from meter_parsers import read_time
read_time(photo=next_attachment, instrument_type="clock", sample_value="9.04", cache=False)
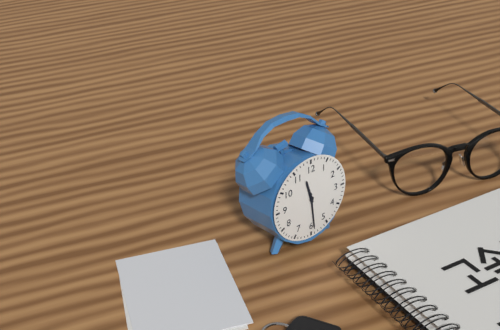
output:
11.29
